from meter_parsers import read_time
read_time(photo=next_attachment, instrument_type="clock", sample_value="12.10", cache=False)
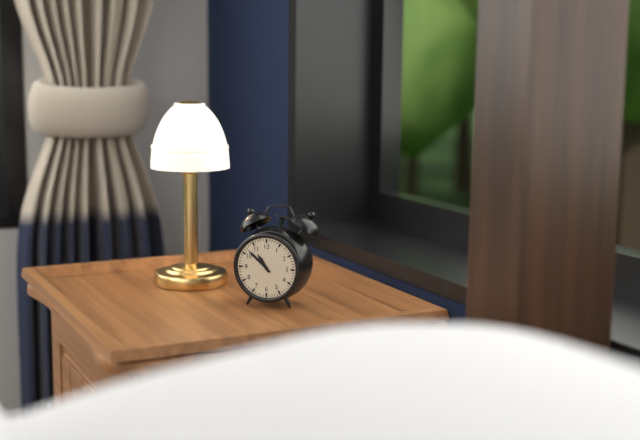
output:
10.52
